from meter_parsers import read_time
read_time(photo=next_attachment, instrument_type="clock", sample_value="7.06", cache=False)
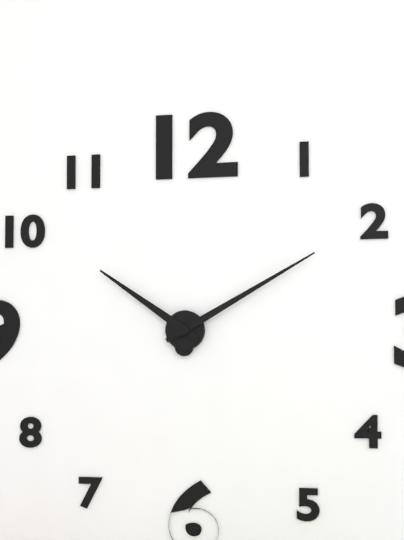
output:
10.10
